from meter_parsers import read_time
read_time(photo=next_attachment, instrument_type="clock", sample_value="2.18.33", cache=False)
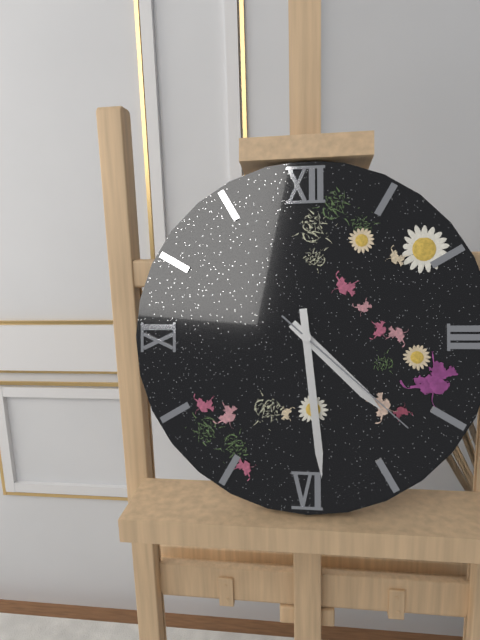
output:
4.29.22
